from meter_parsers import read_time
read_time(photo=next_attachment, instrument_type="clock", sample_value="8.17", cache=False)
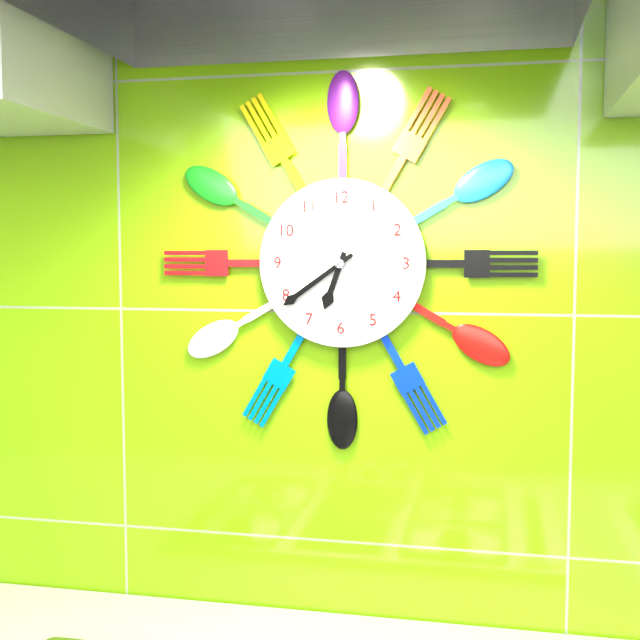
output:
6.39
